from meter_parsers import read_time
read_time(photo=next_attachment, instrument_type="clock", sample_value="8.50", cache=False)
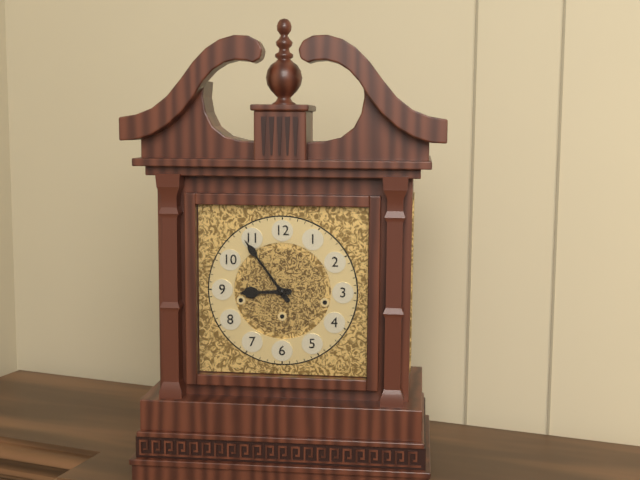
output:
8.54
